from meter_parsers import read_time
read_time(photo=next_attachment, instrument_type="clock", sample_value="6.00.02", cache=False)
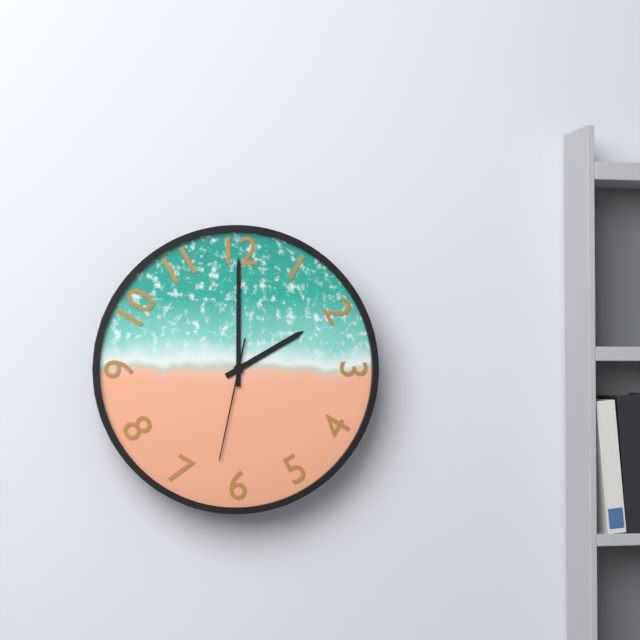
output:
2.00.32
